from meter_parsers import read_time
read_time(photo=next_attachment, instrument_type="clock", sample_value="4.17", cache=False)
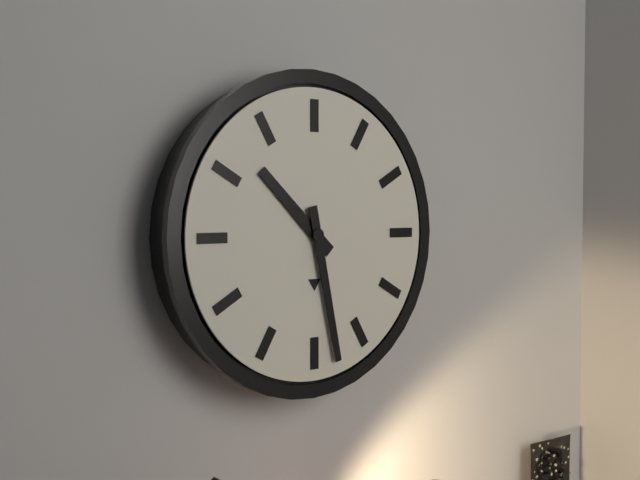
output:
10.28
